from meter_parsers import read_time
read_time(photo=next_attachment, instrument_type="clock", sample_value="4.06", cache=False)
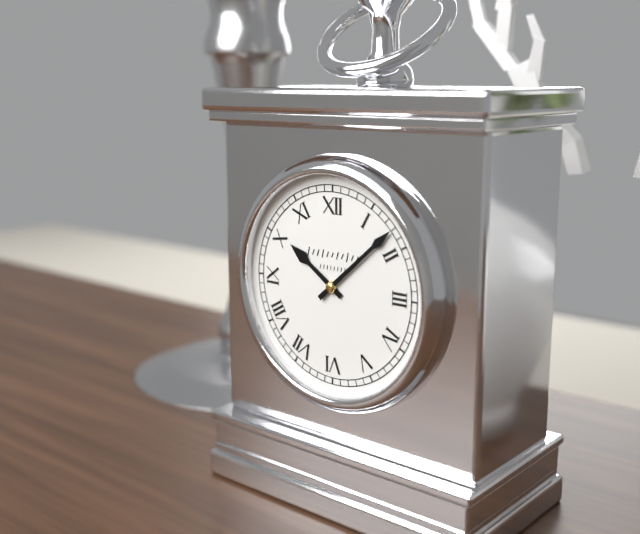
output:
10.08
